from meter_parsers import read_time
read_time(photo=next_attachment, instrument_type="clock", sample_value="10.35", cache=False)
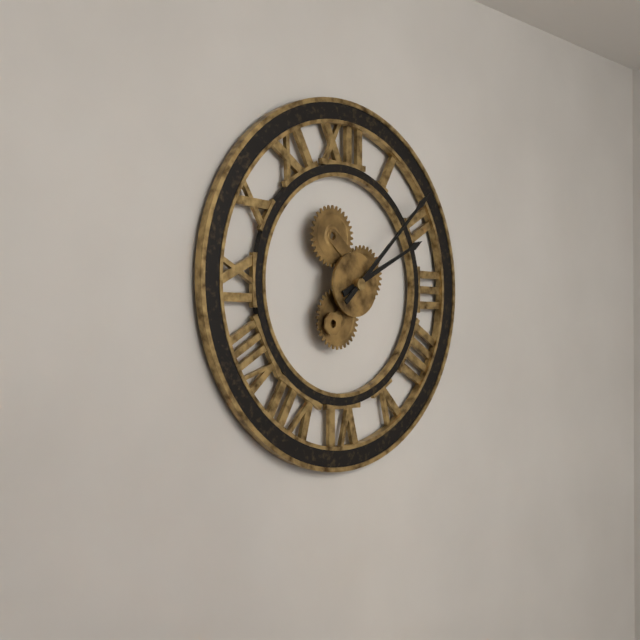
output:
2.08
